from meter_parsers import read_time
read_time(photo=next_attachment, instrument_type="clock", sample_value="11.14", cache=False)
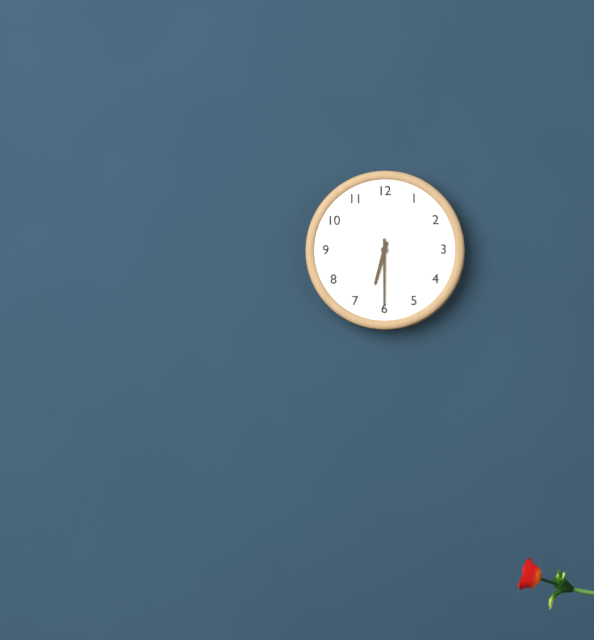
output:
6.30
